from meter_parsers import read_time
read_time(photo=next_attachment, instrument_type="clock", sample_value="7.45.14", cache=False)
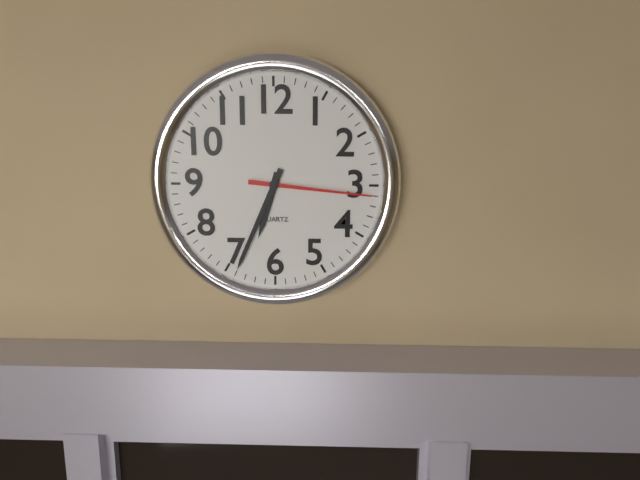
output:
6.34.16
